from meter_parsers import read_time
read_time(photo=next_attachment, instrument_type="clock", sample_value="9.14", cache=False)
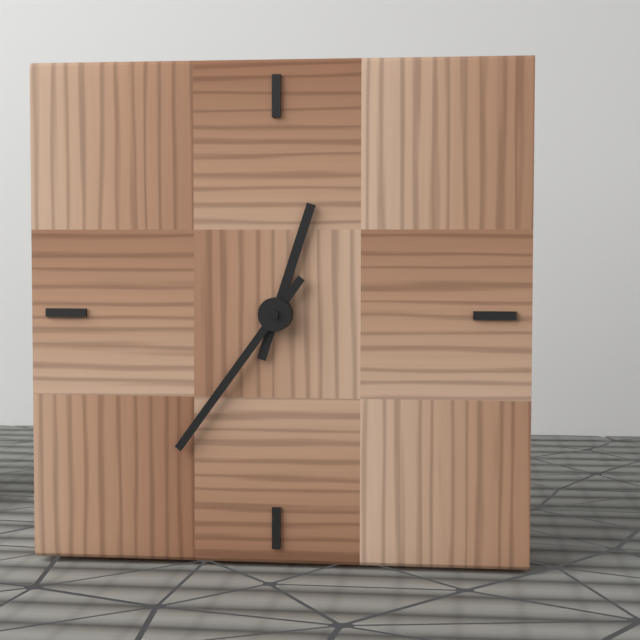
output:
12.36
